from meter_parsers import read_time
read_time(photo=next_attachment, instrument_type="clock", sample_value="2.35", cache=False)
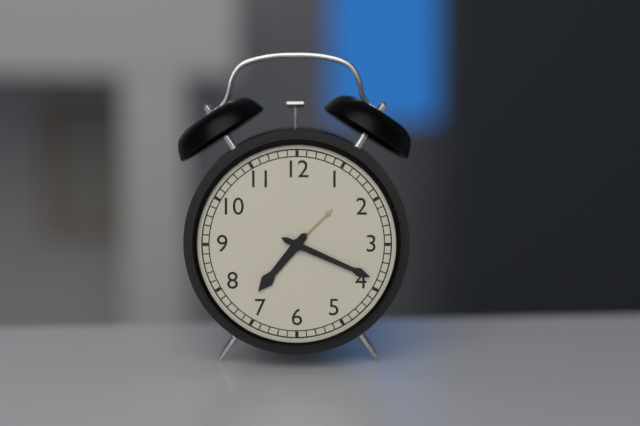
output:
7.19
